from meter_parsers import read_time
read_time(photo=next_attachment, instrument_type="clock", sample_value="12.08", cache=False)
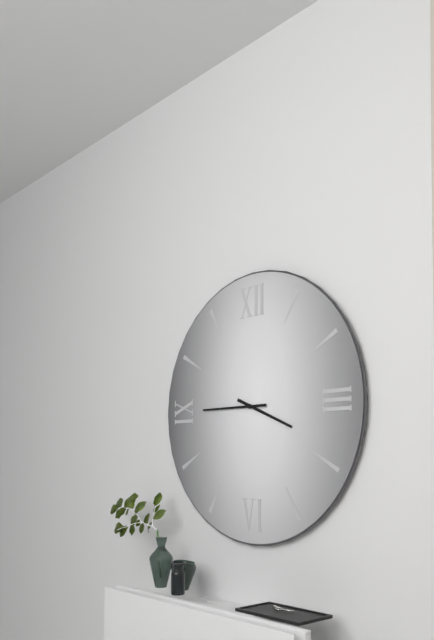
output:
3.45
